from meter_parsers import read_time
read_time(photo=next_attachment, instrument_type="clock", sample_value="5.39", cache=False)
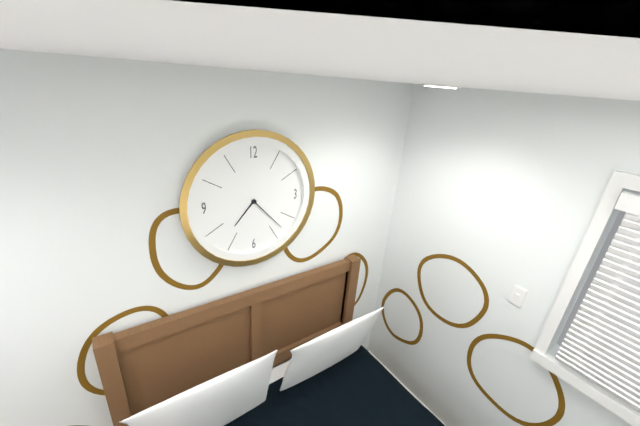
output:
7.23
